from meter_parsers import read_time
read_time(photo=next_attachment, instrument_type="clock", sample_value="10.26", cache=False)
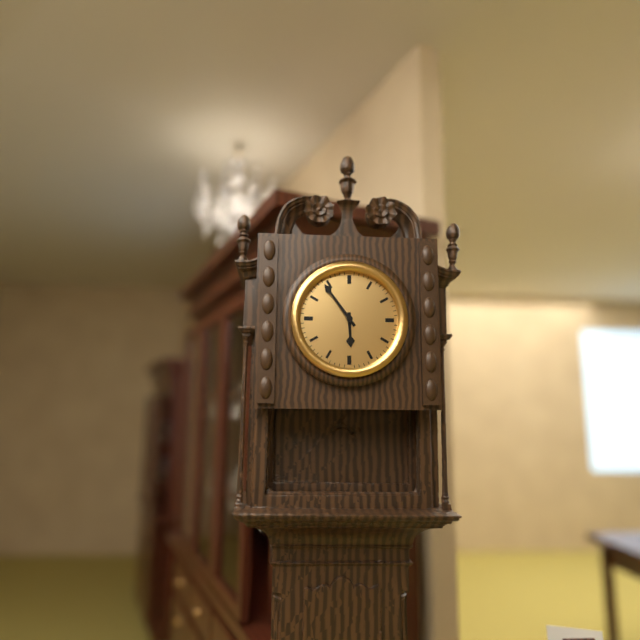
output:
5.54
